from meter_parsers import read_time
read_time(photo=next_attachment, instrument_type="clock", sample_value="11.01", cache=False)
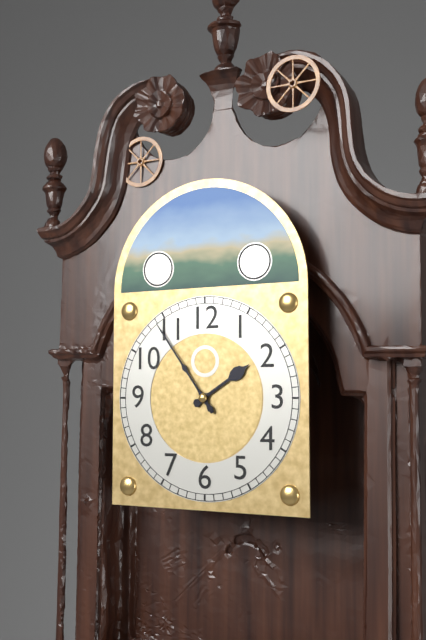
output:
1.54
